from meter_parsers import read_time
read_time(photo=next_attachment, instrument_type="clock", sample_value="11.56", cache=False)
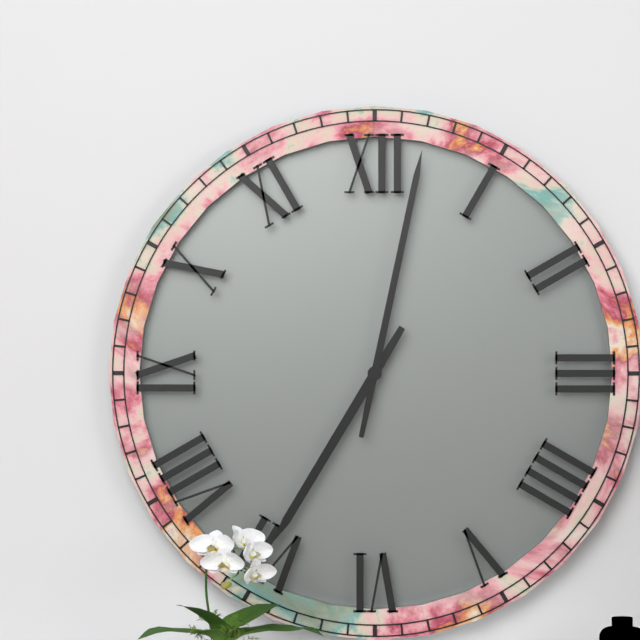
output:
7.02
